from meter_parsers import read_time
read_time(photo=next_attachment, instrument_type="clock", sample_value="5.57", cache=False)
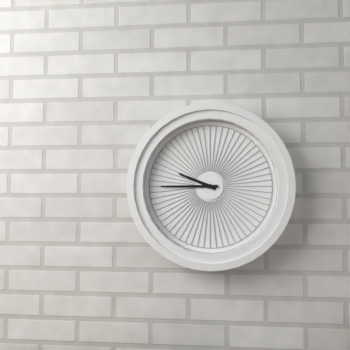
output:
9.45
